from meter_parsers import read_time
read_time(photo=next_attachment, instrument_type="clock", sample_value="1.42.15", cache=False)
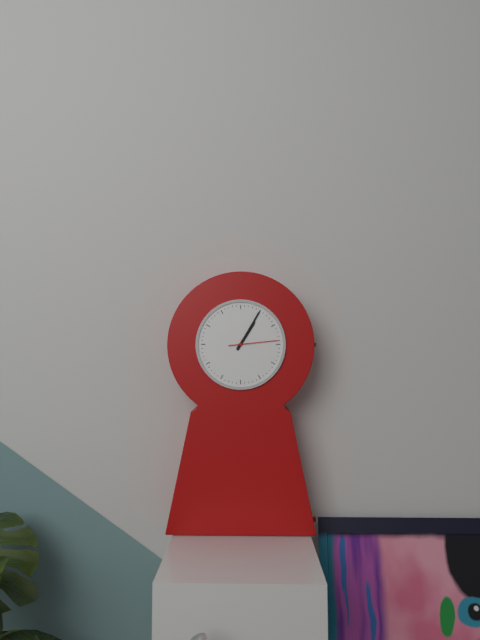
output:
1.05.14
